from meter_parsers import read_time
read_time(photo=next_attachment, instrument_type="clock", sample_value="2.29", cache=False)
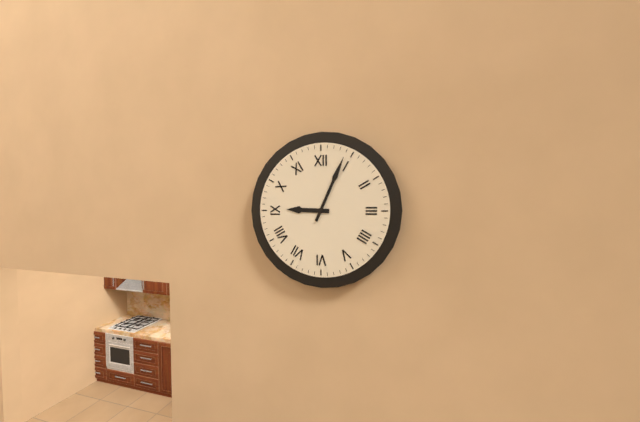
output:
9.04
